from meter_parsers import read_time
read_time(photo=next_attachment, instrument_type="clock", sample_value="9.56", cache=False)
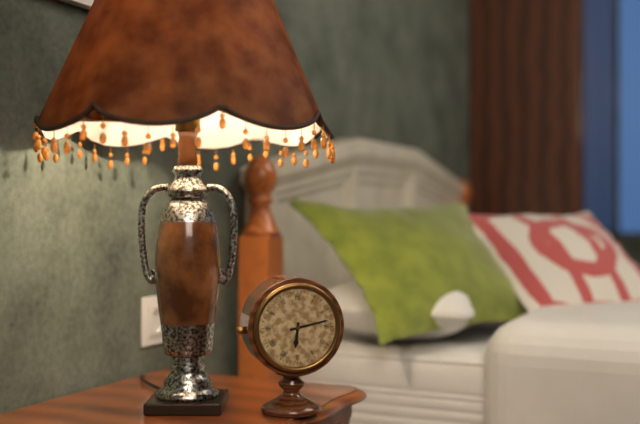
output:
6.13
